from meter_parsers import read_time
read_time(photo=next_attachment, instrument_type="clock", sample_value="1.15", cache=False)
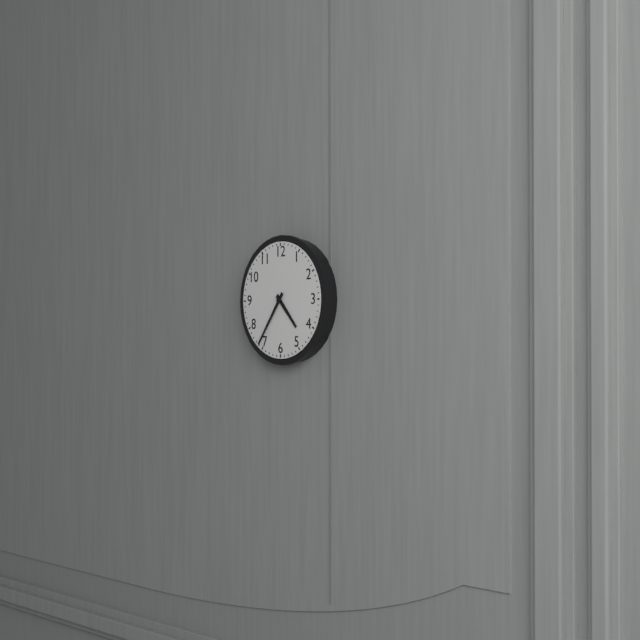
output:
4.36
